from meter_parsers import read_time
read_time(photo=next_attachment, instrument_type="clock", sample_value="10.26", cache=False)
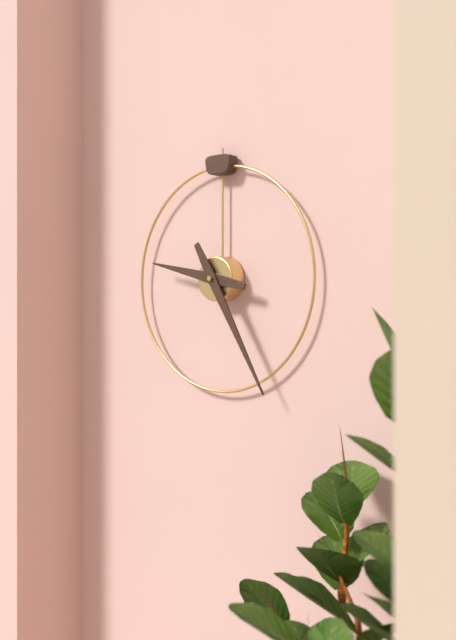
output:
9.25
